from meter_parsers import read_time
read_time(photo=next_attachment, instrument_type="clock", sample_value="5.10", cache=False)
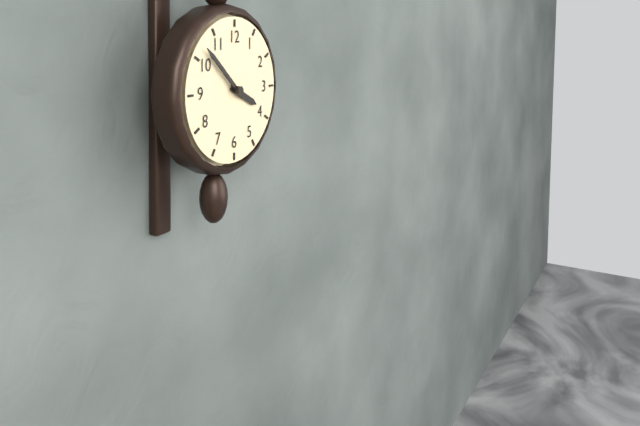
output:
3.52
